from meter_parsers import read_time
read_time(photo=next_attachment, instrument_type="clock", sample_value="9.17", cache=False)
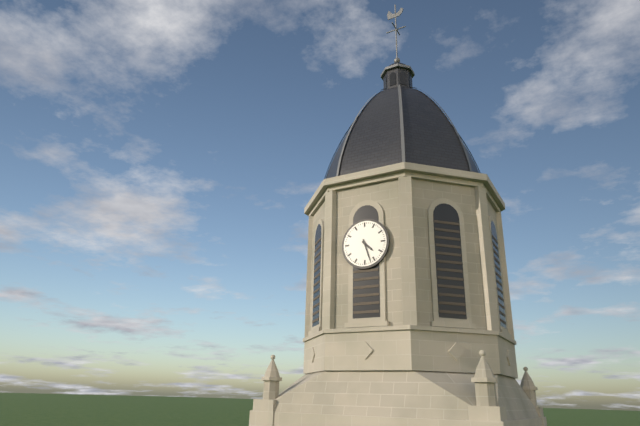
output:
4.27
